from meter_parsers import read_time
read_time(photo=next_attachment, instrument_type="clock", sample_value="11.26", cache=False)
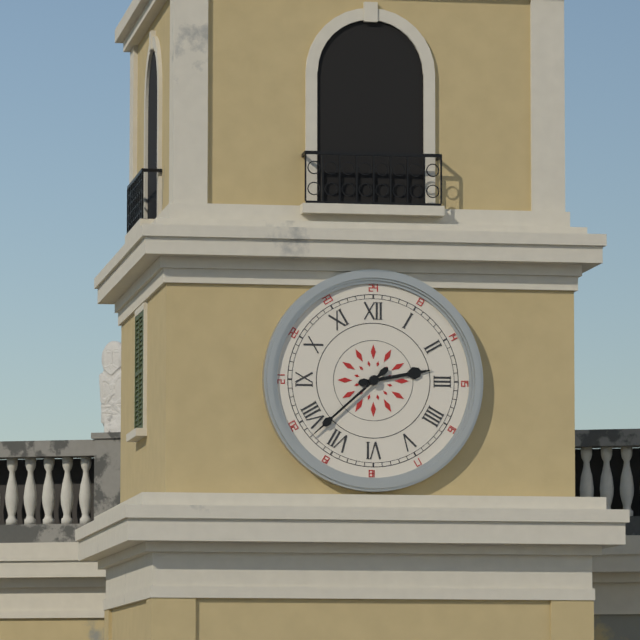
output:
2.38
